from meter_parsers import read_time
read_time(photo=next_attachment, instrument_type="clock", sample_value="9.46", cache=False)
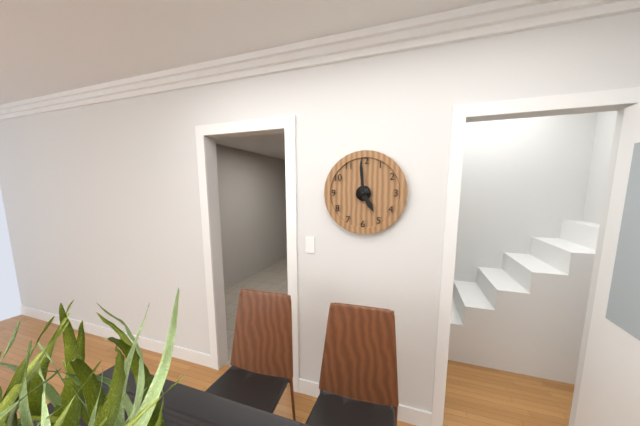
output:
4.59
